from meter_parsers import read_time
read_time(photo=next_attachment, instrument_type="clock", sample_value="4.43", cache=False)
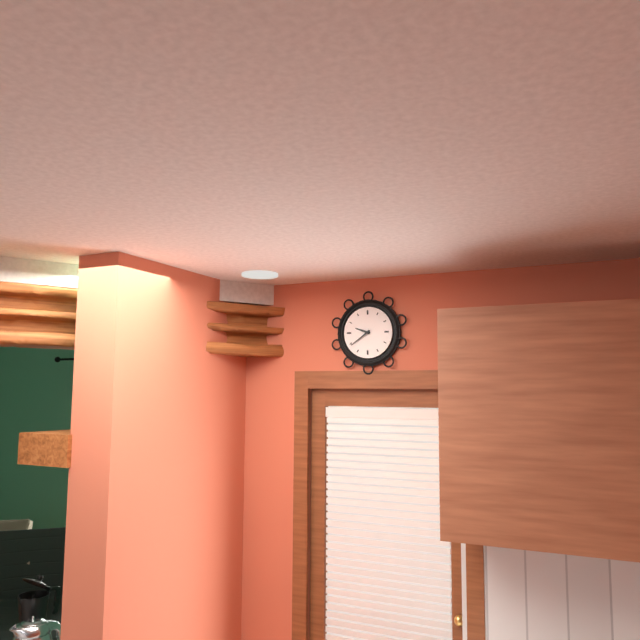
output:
9.39
